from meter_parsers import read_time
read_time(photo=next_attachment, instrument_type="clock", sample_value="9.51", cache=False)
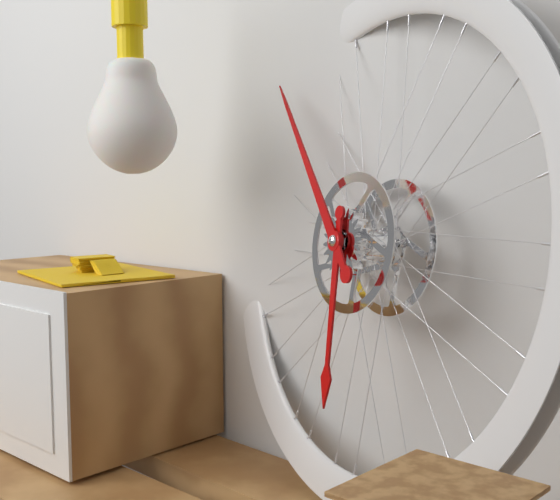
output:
5.53
